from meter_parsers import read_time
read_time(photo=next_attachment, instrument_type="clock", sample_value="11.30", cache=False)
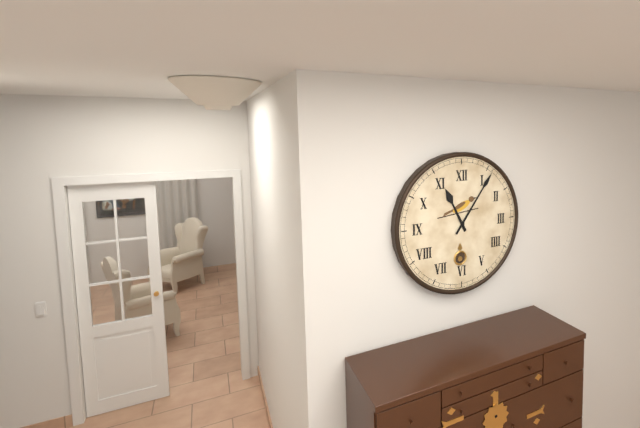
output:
11.06
